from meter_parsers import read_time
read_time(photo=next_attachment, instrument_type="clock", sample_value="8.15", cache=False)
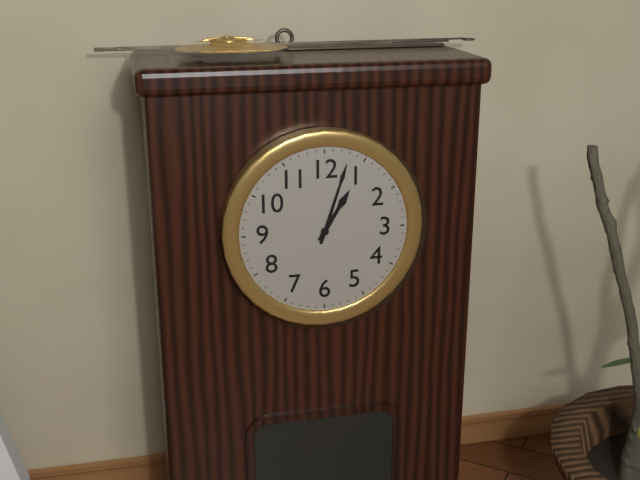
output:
1.03
